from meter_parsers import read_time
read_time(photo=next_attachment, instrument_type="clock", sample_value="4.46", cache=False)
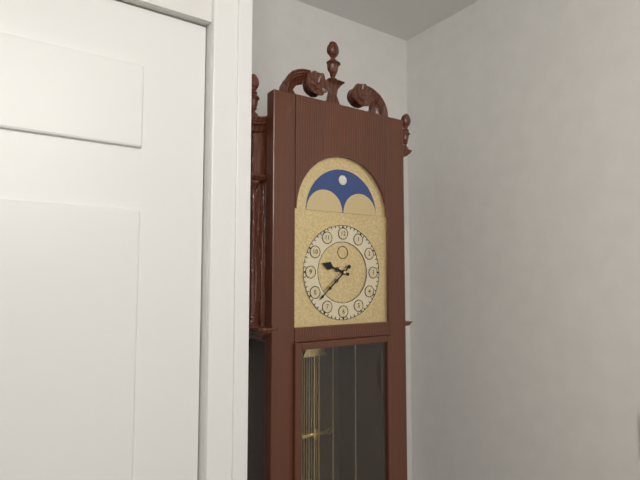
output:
9.38
